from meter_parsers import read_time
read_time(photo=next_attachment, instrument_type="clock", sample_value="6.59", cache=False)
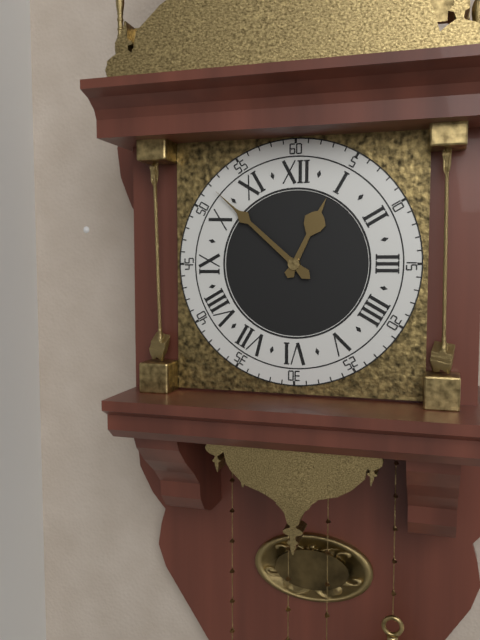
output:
12.52
